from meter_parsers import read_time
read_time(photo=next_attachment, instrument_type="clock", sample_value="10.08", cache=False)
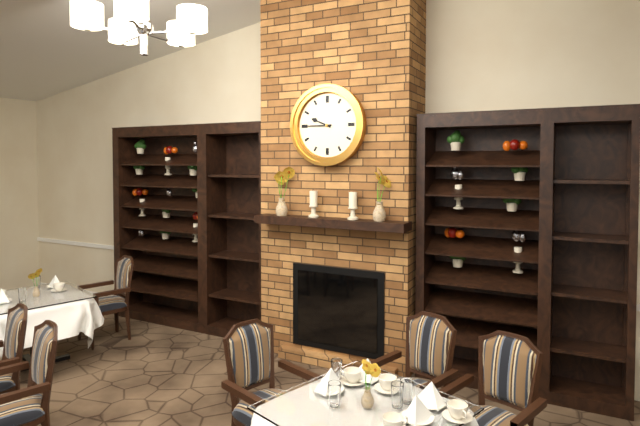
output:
9.45
